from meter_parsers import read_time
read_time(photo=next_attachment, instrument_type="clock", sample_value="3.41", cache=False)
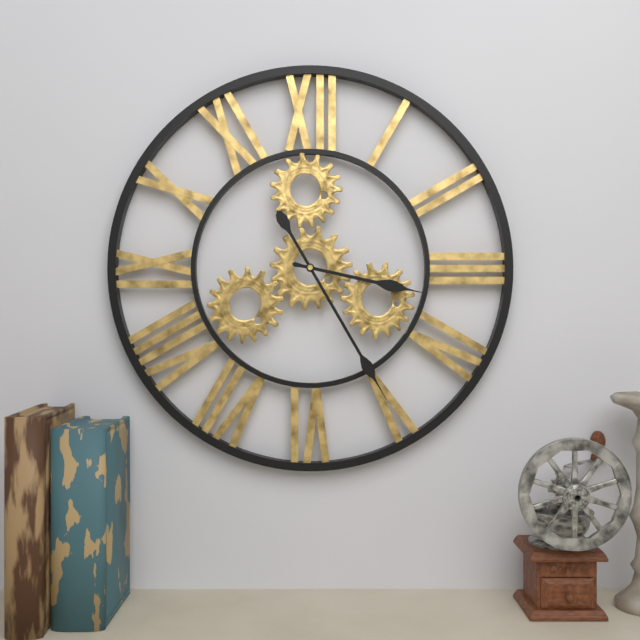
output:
3.25
